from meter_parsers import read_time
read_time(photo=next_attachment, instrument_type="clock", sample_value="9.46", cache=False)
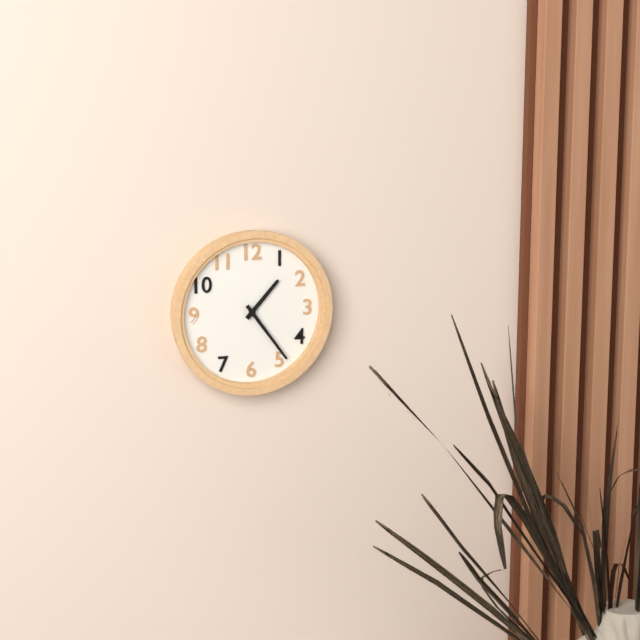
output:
1.24
